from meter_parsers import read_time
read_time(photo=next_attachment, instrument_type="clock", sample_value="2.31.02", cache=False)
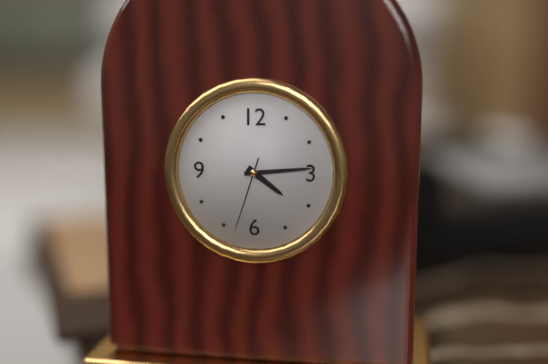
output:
4.14.33
